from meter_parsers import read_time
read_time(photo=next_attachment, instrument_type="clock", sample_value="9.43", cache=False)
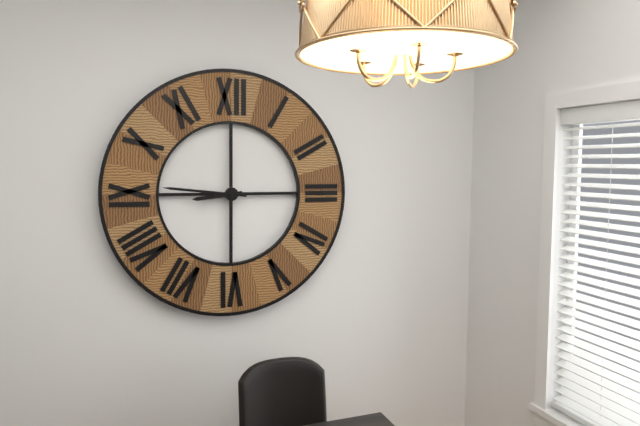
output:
8.46
